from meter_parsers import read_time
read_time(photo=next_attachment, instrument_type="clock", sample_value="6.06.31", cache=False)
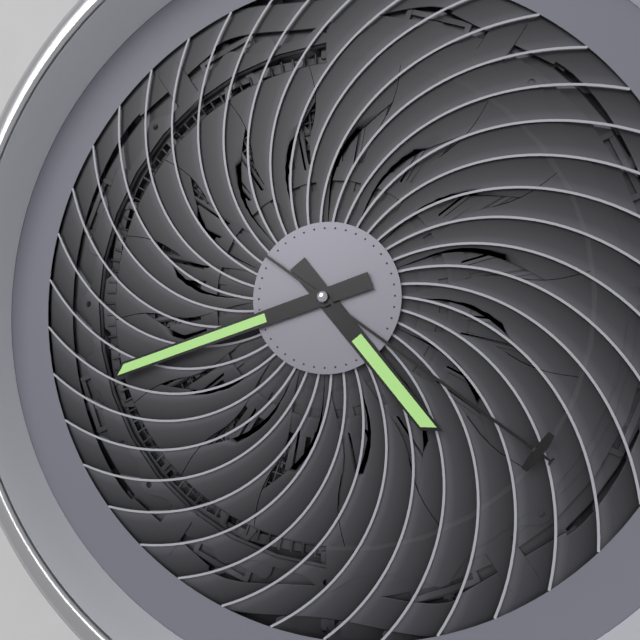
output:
4.42.21
